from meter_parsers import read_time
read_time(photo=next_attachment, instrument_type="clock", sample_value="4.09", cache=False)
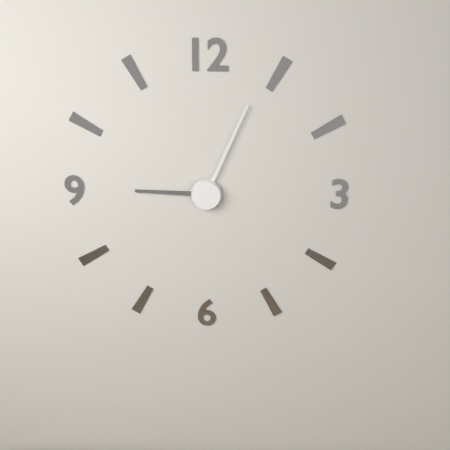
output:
9.04
